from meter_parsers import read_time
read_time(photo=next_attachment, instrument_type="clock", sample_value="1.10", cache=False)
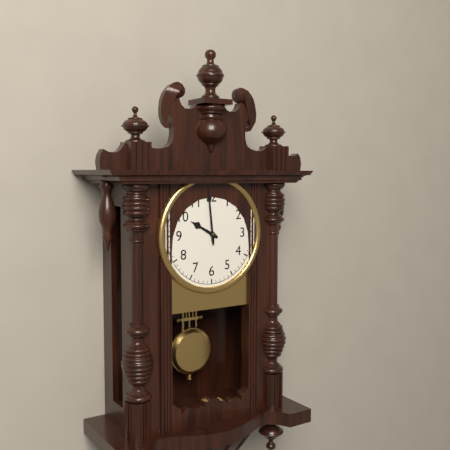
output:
9.59
